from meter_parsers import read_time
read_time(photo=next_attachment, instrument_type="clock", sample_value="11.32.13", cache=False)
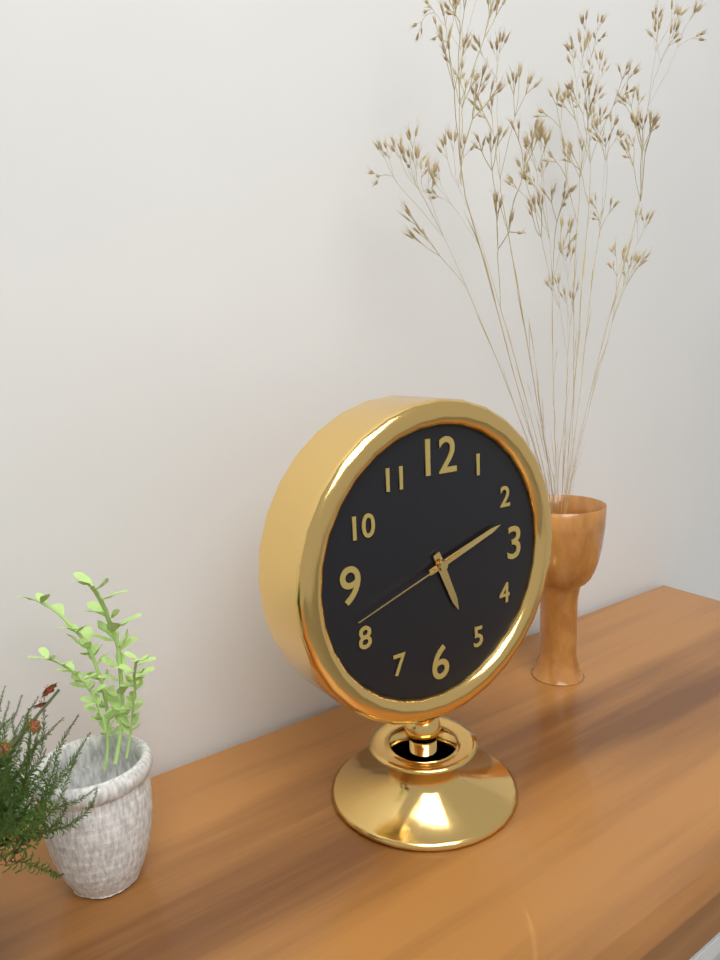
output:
5.12.42
